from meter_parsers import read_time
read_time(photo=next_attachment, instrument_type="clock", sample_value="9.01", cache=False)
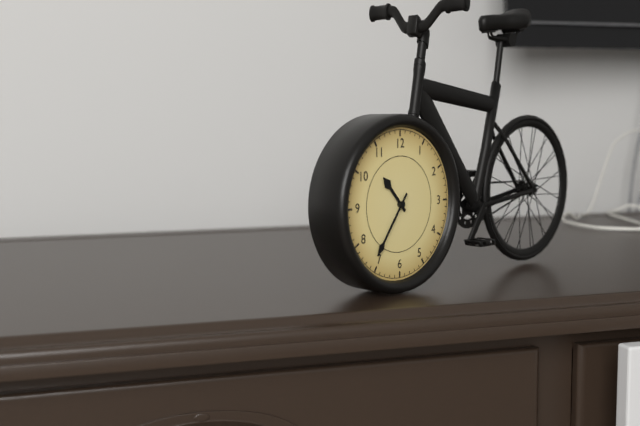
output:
10.36
